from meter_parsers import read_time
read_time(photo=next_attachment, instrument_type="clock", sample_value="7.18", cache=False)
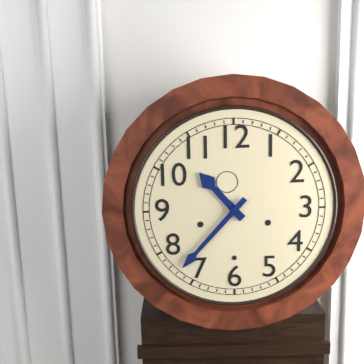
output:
10.37
